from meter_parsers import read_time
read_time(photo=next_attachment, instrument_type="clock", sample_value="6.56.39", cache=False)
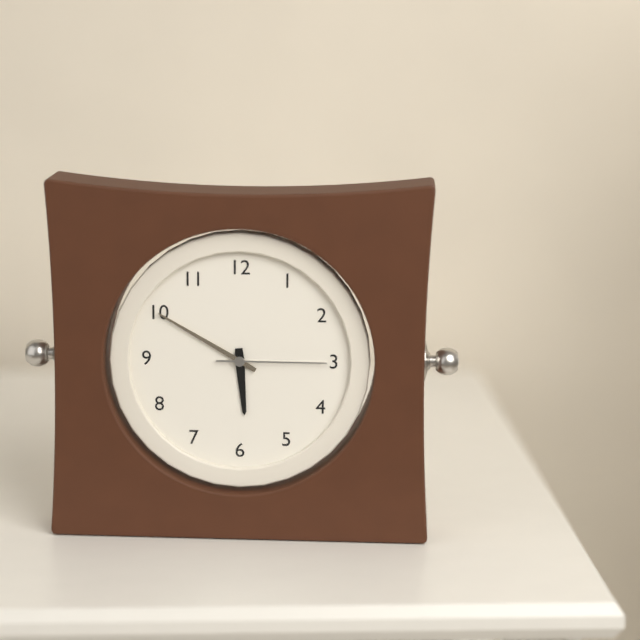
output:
5.50.15
